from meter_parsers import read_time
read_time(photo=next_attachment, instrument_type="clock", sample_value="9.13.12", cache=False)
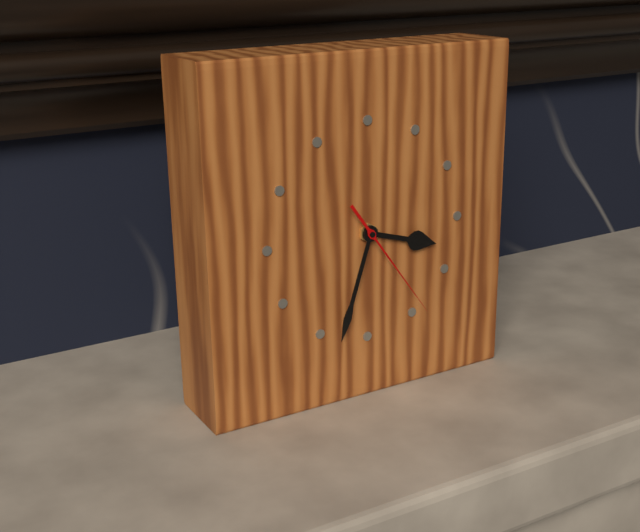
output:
3.33.24
